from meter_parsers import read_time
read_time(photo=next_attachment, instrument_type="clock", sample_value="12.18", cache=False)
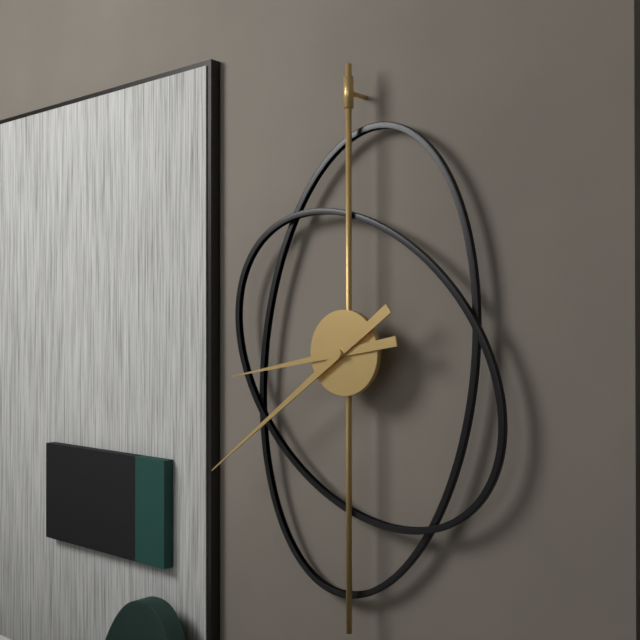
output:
8.39
